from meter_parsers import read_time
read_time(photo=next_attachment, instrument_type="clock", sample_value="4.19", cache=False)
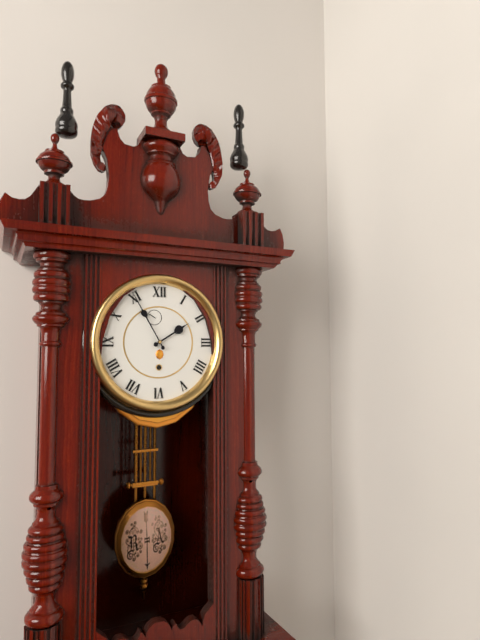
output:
1.55
